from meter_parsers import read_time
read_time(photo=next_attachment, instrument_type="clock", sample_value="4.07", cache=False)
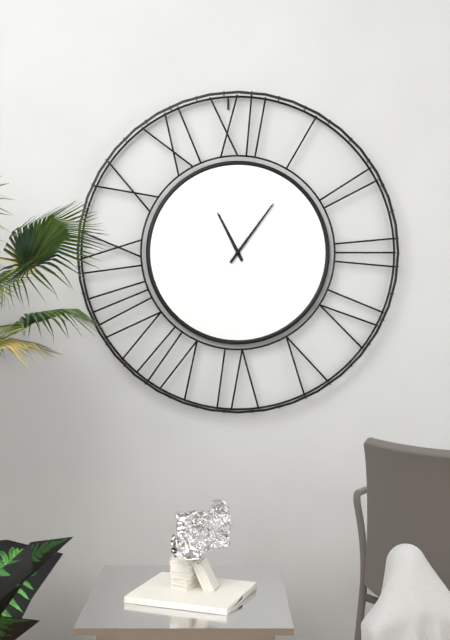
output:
11.06
